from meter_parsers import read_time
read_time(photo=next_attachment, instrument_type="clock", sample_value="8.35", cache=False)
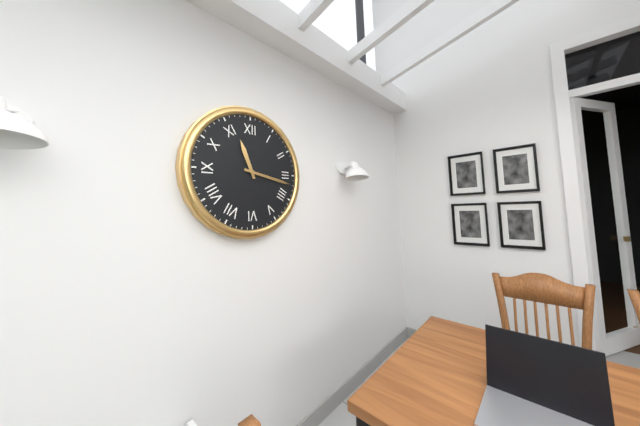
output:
11.17
